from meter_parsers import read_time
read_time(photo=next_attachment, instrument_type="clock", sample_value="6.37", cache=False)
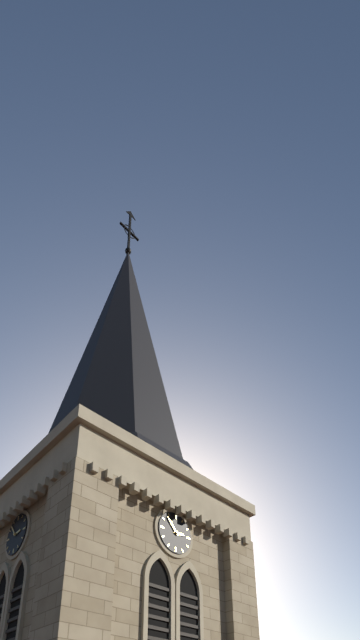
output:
2.53
